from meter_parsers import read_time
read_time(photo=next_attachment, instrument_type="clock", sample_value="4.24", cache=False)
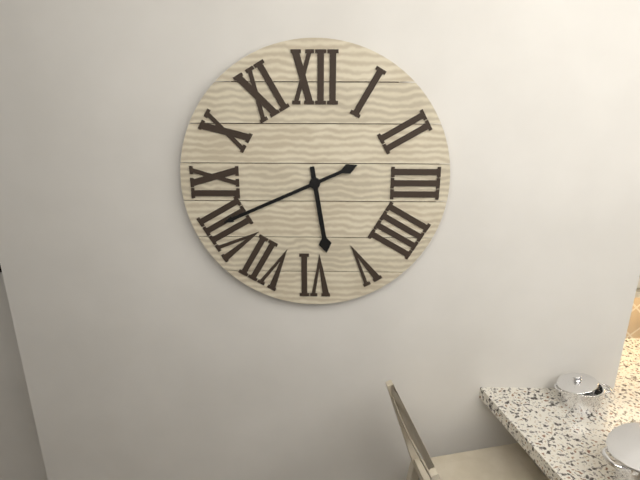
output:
5.41
